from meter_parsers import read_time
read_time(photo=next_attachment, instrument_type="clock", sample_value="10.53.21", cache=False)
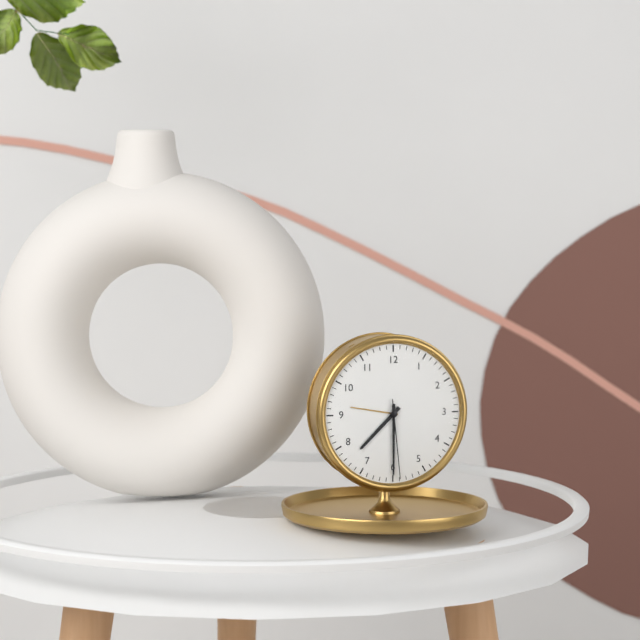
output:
7.30.29
